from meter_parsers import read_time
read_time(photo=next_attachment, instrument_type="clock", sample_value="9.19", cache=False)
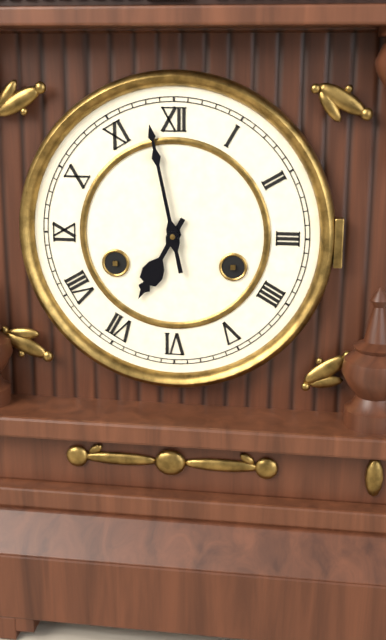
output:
6.58
